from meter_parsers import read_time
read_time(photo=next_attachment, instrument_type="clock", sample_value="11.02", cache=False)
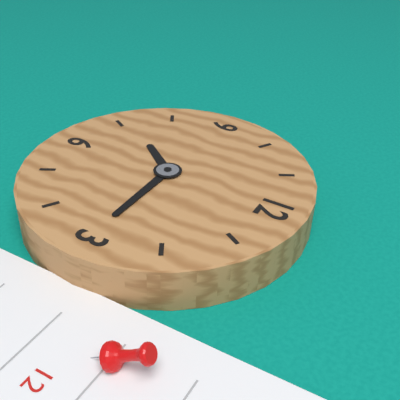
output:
7.15
